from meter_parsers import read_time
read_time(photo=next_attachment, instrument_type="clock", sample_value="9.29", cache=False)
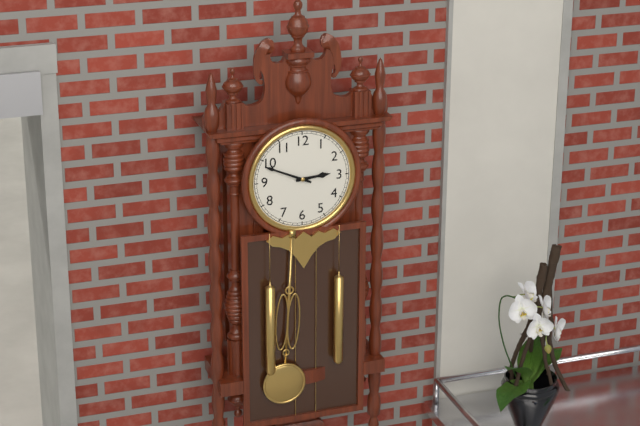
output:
2.49
